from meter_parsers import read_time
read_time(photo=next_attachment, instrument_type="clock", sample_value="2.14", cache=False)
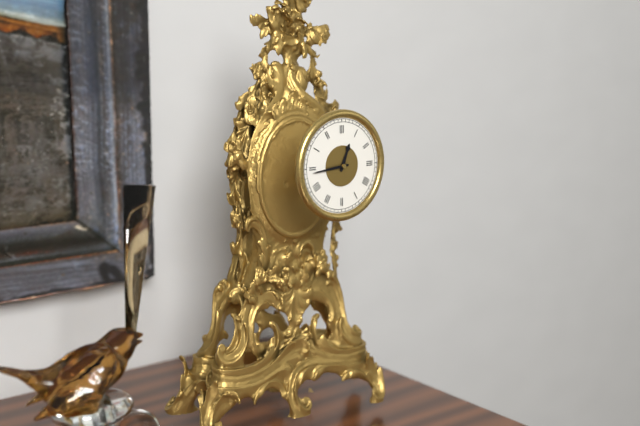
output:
12.44
